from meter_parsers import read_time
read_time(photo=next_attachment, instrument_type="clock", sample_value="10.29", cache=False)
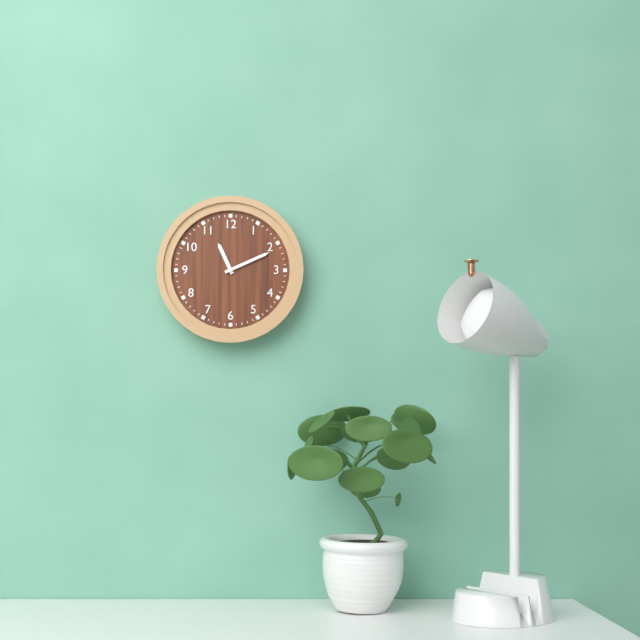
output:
11.11
